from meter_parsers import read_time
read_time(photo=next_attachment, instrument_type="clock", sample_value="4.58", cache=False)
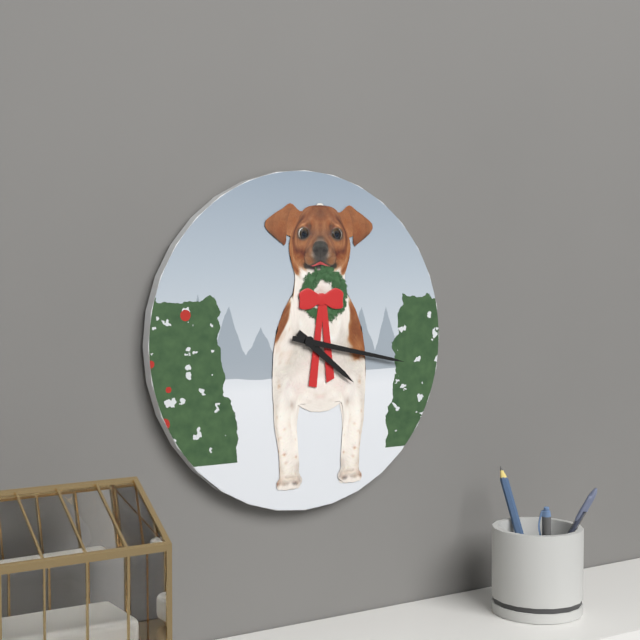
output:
4.17
